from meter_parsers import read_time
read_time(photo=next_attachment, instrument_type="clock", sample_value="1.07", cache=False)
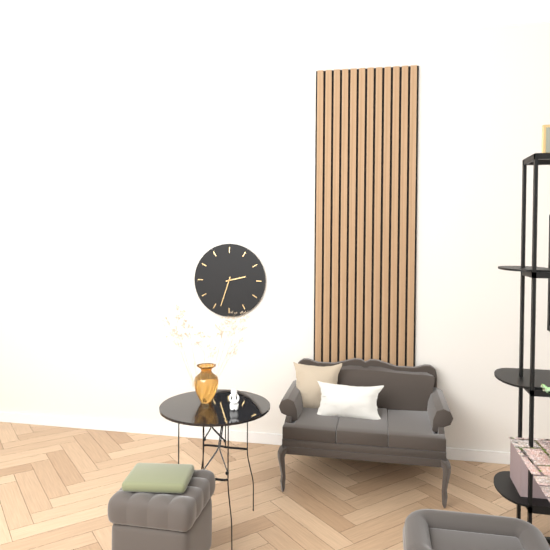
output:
2.33
